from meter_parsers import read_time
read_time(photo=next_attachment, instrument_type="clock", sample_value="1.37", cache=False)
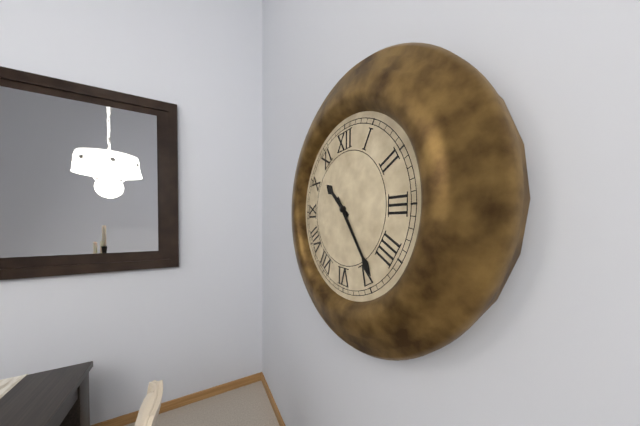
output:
10.24
